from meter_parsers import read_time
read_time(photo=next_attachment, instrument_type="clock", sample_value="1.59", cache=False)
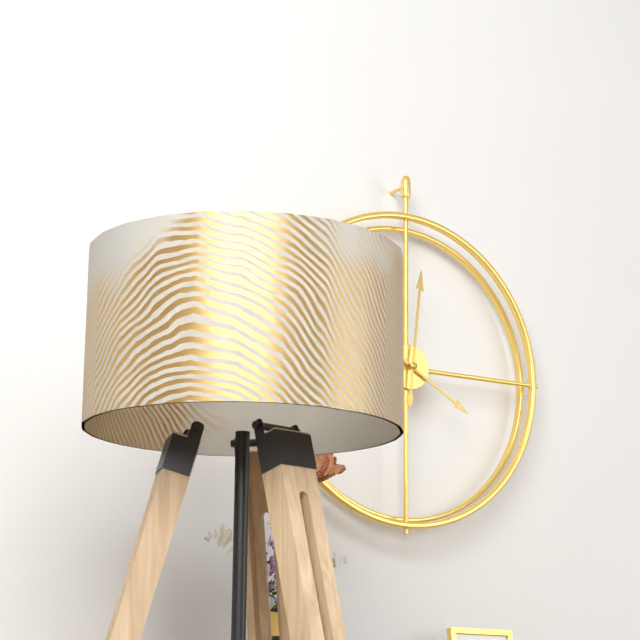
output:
4.01
